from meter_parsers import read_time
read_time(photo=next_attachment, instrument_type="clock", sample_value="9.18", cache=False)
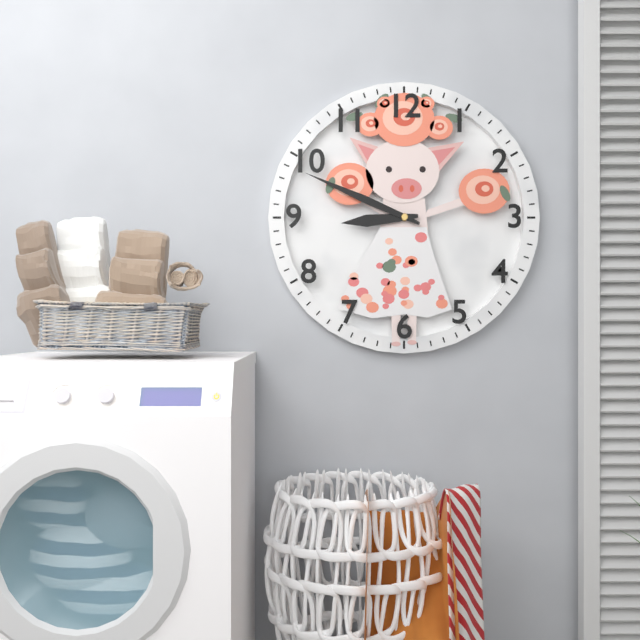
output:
8.49
